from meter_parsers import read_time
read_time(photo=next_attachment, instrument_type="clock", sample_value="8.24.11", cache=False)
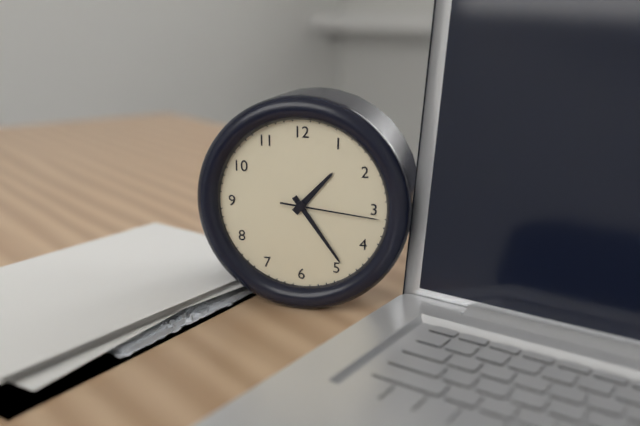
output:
1.24.16
